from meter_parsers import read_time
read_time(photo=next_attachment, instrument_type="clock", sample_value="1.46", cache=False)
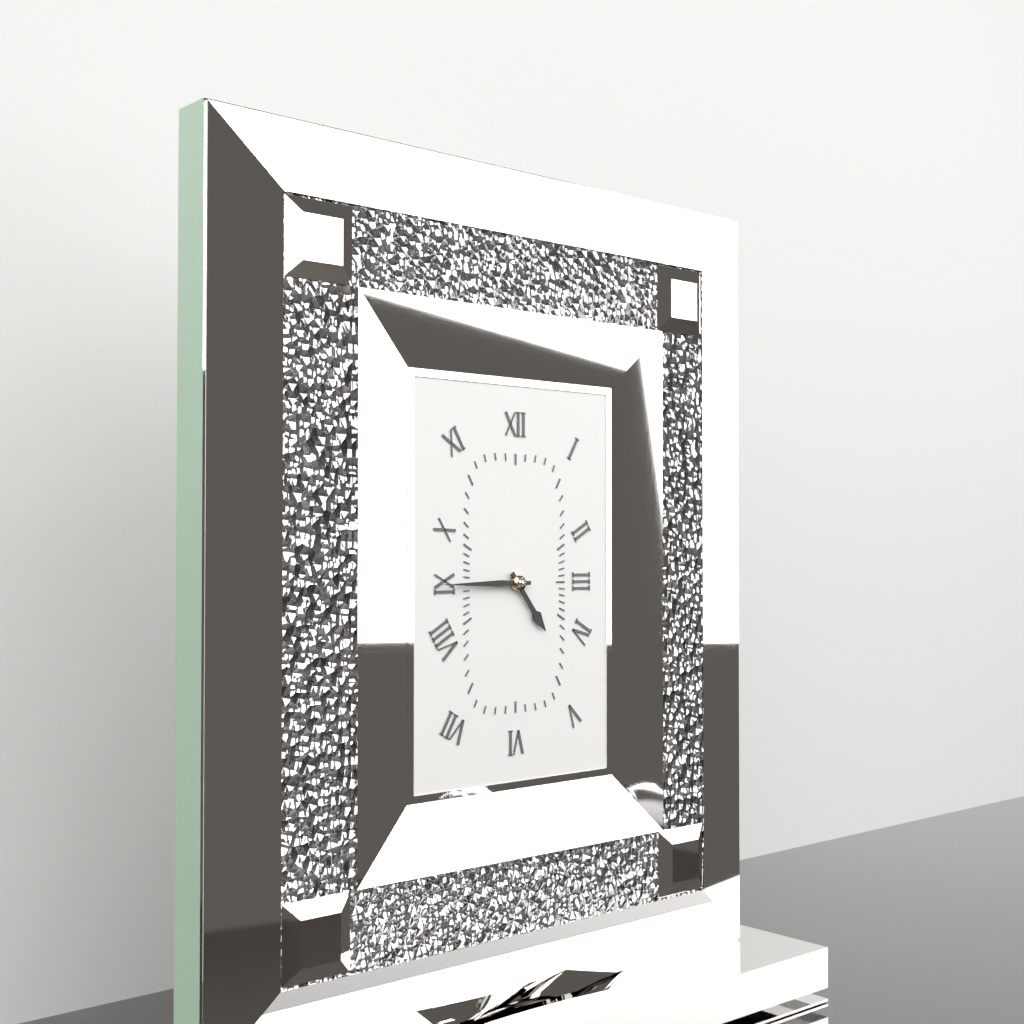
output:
4.45
